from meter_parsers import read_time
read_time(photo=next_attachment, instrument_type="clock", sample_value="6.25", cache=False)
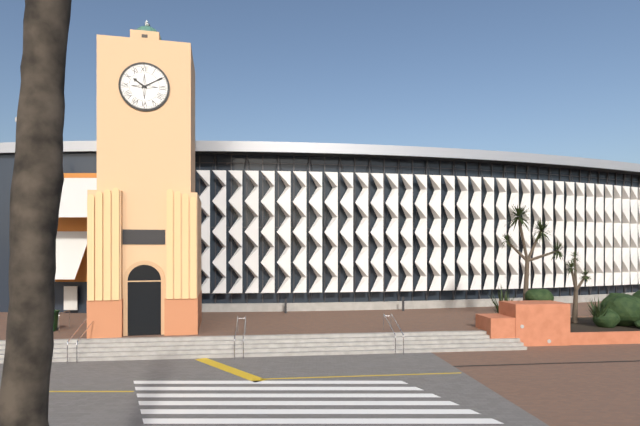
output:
10.10
